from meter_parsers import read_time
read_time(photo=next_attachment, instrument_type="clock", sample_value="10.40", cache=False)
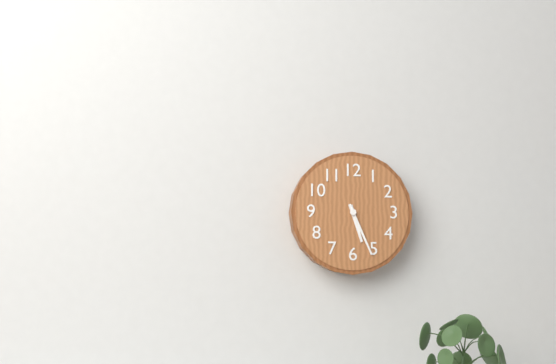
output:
5.26
